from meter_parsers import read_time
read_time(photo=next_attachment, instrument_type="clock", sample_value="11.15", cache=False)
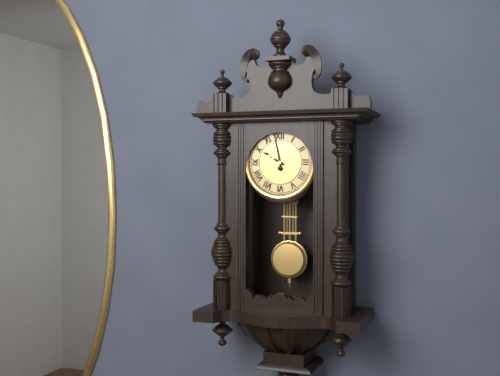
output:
9.58
